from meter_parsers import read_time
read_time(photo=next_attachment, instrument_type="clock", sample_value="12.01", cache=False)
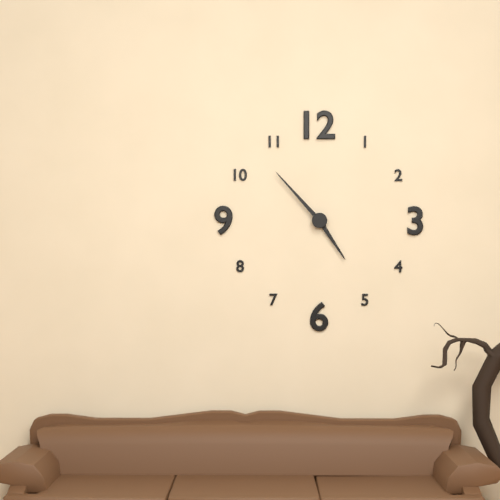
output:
4.53
